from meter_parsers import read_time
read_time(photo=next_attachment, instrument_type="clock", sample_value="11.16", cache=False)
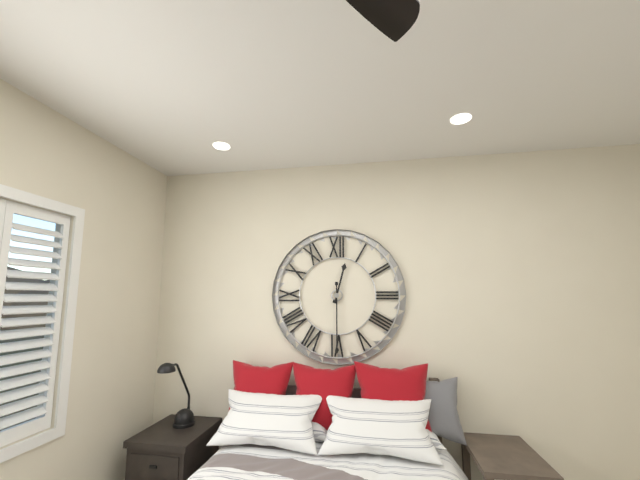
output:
12.30
